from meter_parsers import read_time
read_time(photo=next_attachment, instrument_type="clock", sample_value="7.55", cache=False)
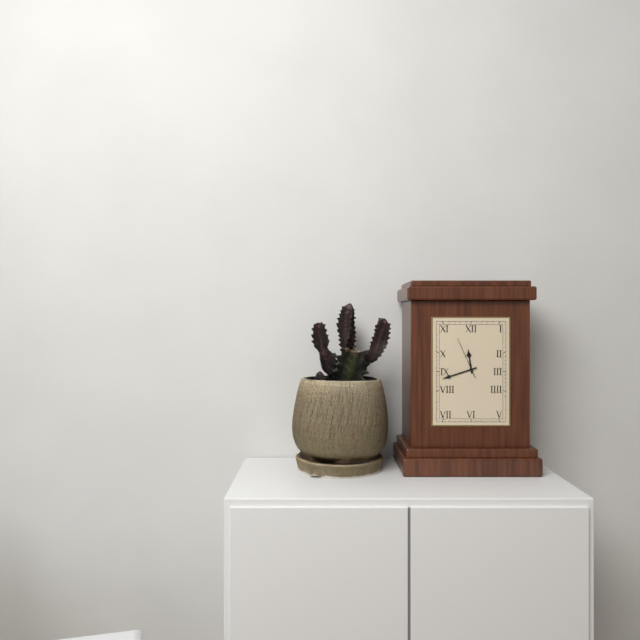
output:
11.42
